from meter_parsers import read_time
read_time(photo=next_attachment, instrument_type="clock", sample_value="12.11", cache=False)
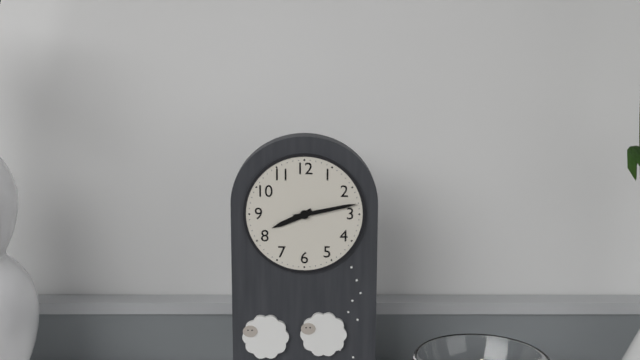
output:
8.13
